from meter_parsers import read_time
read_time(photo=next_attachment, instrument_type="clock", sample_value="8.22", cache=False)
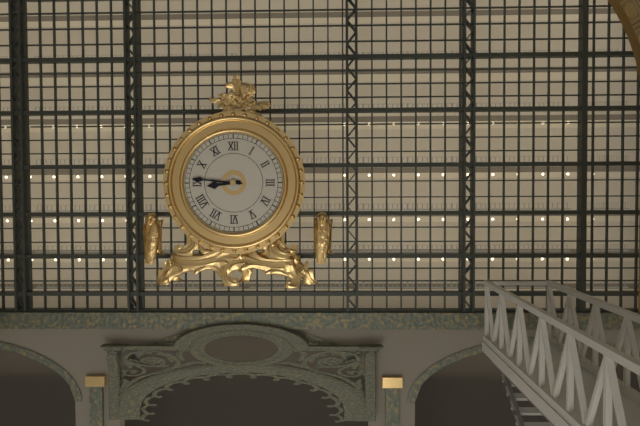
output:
8.46
